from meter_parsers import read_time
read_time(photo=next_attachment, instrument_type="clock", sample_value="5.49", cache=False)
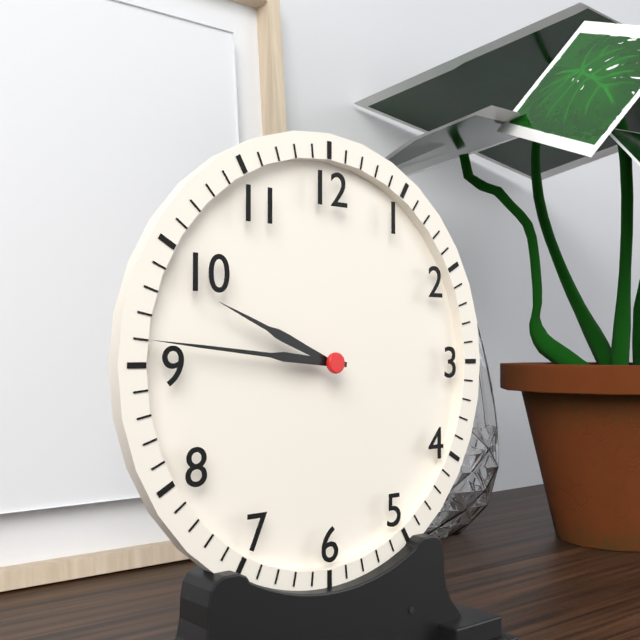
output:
9.46
